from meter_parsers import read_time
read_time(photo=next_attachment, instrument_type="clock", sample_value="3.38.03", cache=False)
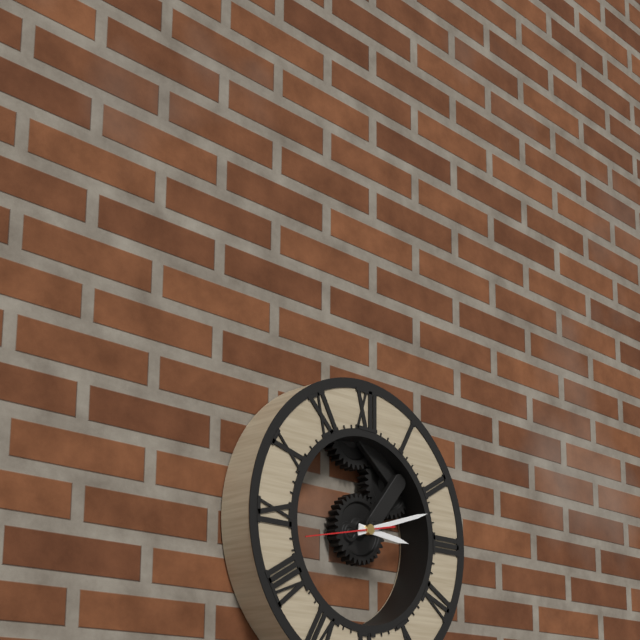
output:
3.12.43
